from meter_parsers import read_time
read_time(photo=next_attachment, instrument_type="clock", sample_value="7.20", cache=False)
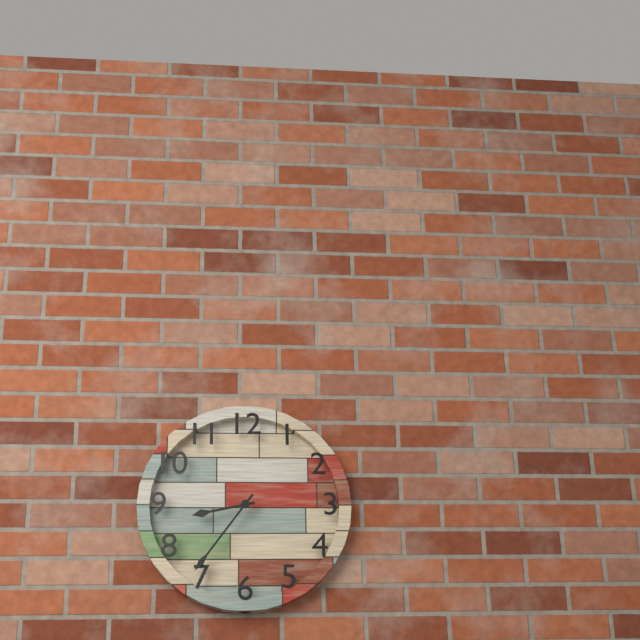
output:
8.36
